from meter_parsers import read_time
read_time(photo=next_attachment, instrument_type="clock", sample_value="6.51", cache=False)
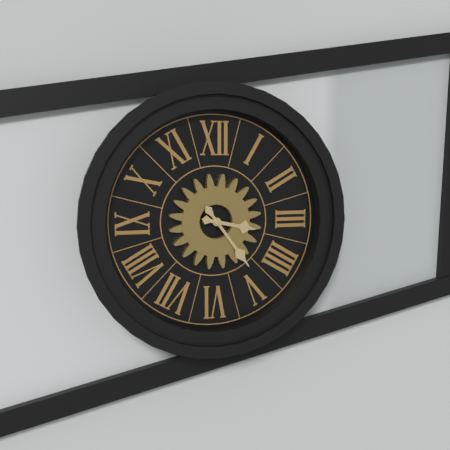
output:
3.24
